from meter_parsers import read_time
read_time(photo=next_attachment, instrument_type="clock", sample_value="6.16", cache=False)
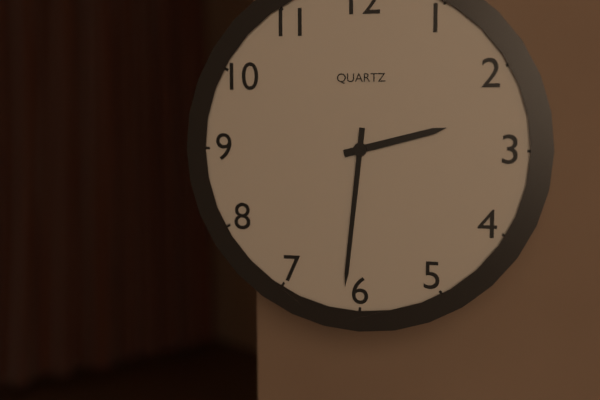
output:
2.31
